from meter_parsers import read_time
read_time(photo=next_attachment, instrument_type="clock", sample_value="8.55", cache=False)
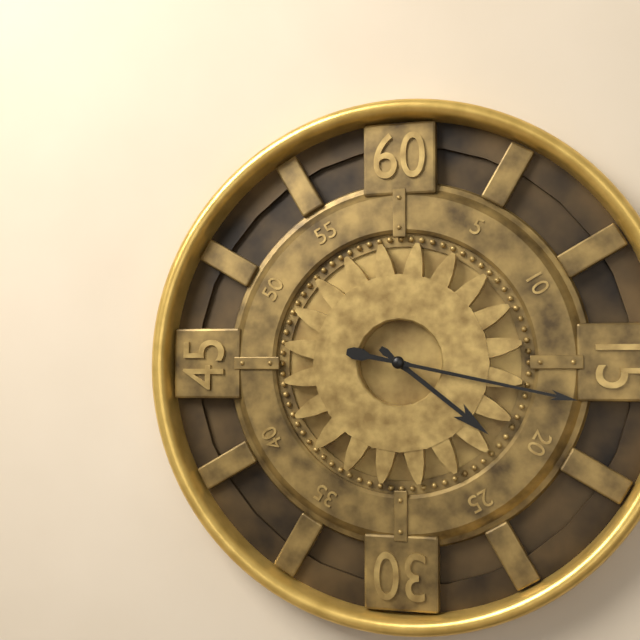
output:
4.17
